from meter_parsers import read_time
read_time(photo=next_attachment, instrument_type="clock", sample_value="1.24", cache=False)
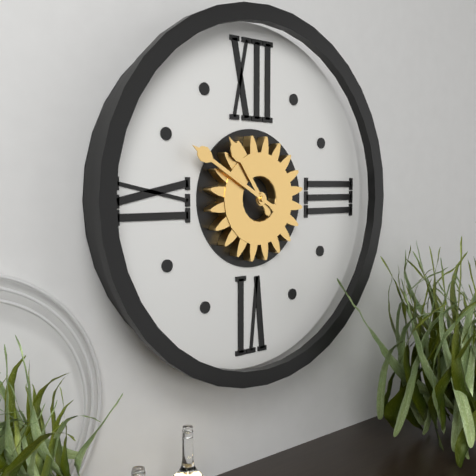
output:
10.50
